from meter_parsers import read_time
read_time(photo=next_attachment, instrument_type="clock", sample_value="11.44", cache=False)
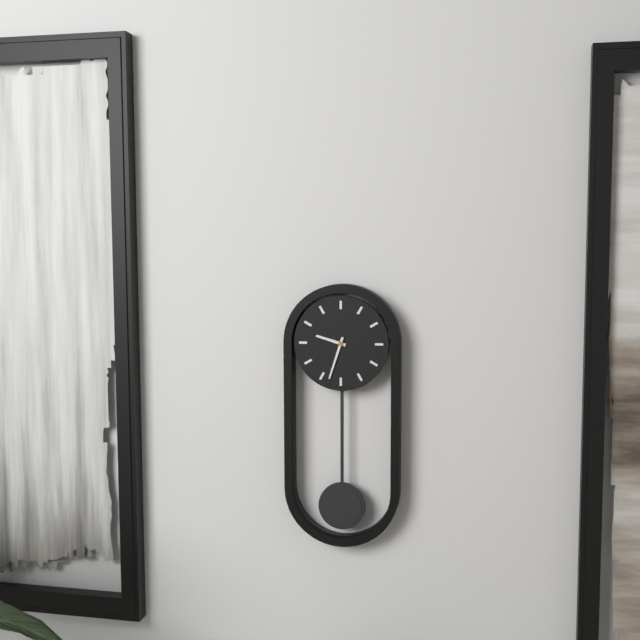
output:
9.33
